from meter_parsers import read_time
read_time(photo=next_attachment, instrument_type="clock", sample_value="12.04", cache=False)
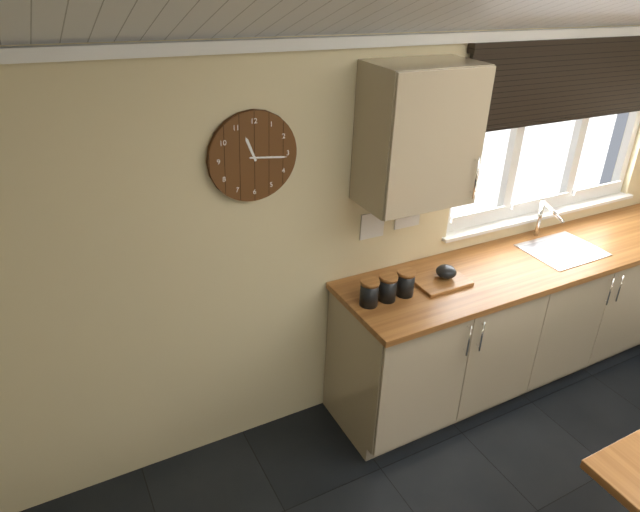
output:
11.16
